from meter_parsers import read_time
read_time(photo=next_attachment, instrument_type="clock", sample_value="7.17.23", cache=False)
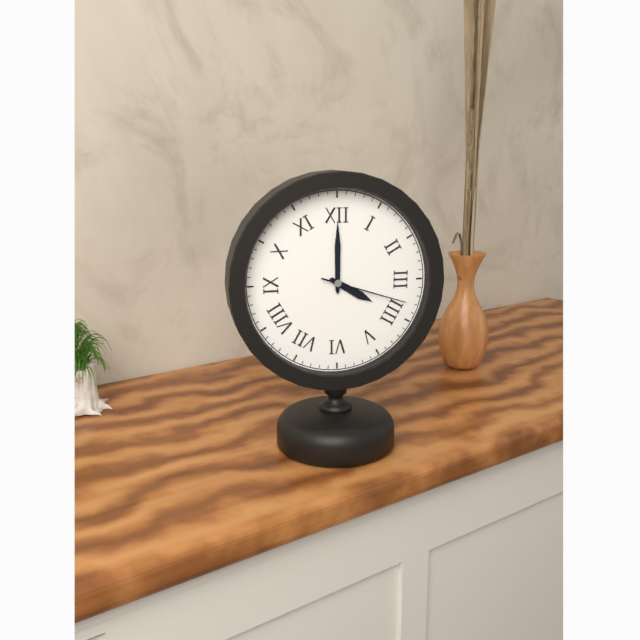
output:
4.00.18
